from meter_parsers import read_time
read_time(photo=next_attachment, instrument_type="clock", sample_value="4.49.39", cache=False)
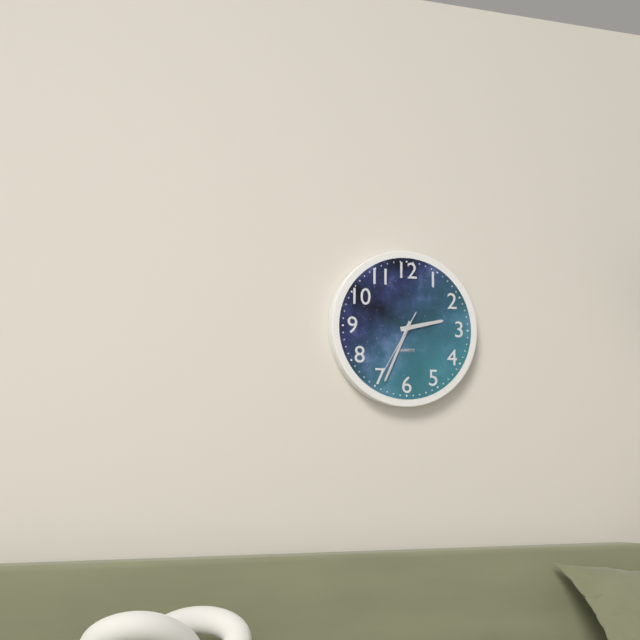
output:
2.34.35
